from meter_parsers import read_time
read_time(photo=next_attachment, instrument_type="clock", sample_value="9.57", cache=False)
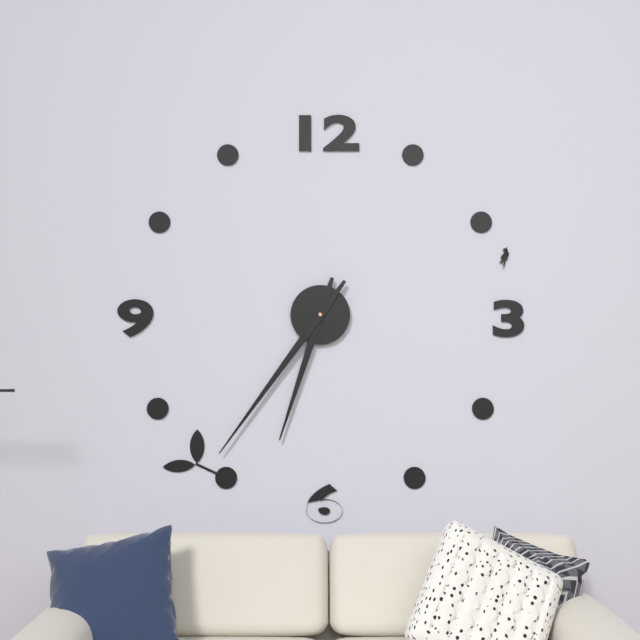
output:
6.36
